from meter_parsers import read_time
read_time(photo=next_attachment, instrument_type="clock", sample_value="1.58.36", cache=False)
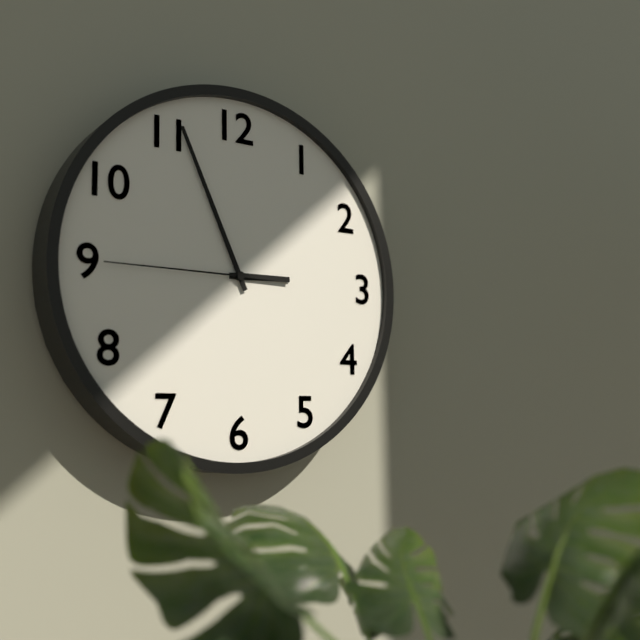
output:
2.56.45
